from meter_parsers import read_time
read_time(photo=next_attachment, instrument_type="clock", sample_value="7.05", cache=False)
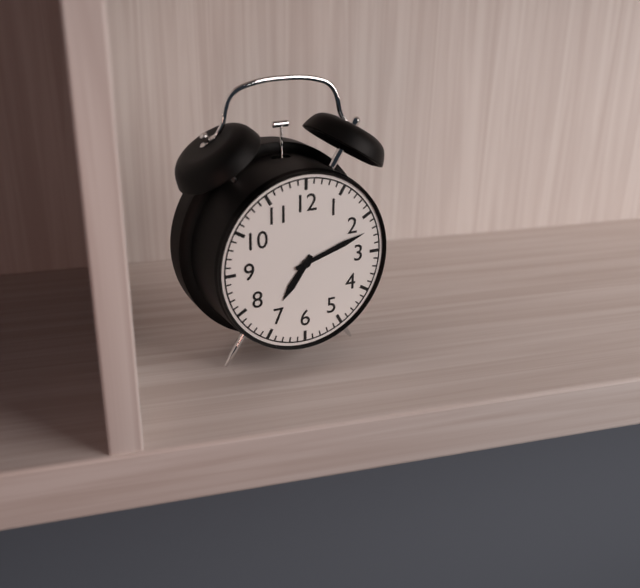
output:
7.12
